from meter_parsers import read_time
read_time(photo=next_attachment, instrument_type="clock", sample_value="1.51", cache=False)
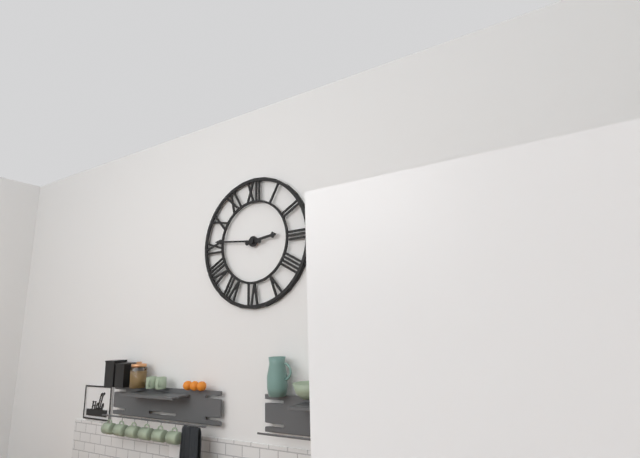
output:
2.46
